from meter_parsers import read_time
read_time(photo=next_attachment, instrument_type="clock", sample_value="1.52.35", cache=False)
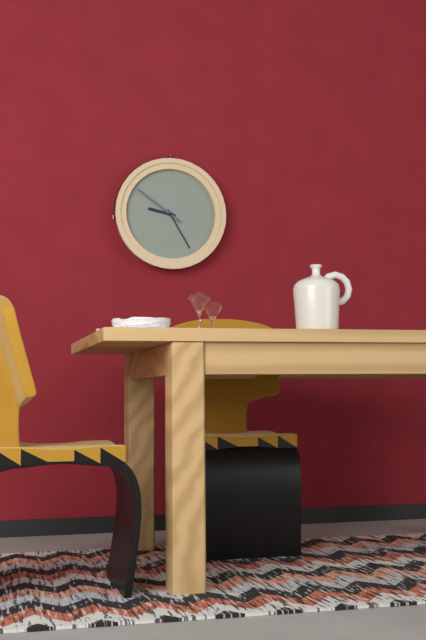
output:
9.25.51
